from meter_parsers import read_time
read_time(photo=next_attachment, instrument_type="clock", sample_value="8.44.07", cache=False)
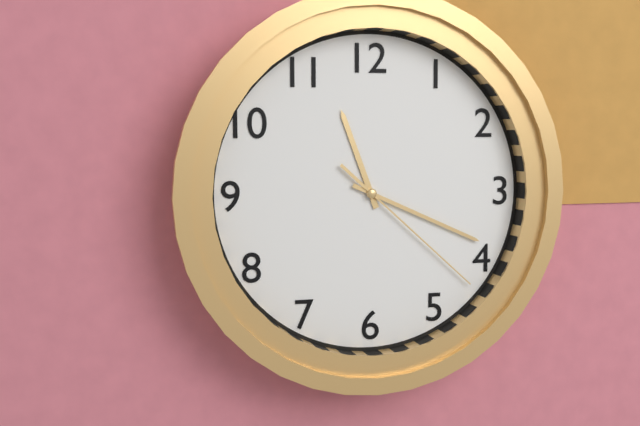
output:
11.19.22
